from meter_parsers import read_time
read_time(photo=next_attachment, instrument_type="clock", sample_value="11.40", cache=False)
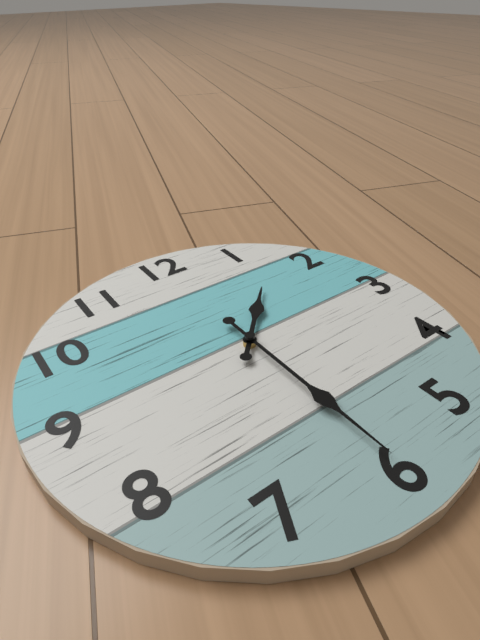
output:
1.30
